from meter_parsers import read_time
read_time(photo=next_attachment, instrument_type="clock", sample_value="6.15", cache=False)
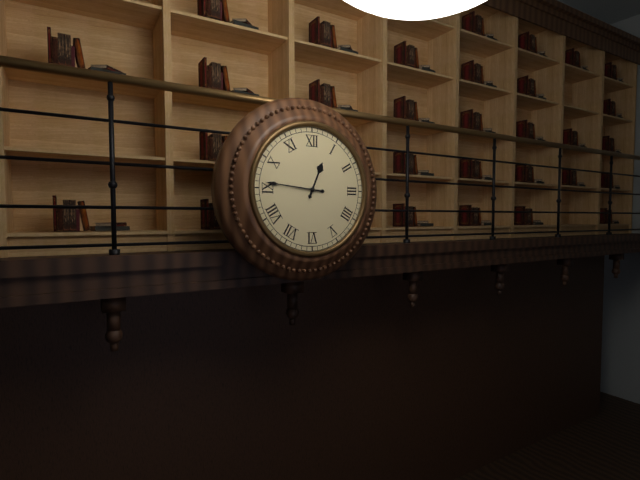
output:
12.46
